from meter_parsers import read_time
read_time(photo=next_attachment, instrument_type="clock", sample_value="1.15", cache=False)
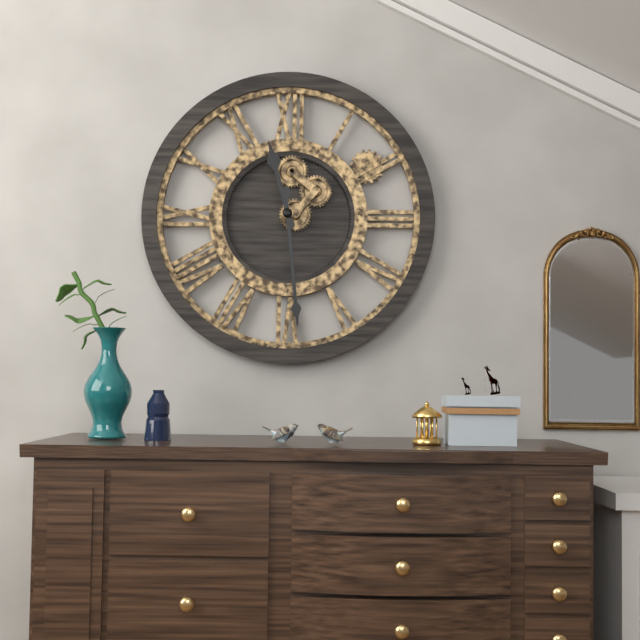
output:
11.29
